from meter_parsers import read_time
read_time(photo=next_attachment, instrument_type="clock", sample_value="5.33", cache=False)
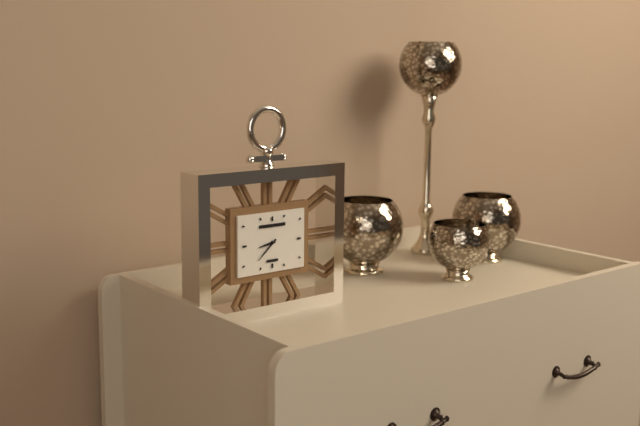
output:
8.38
